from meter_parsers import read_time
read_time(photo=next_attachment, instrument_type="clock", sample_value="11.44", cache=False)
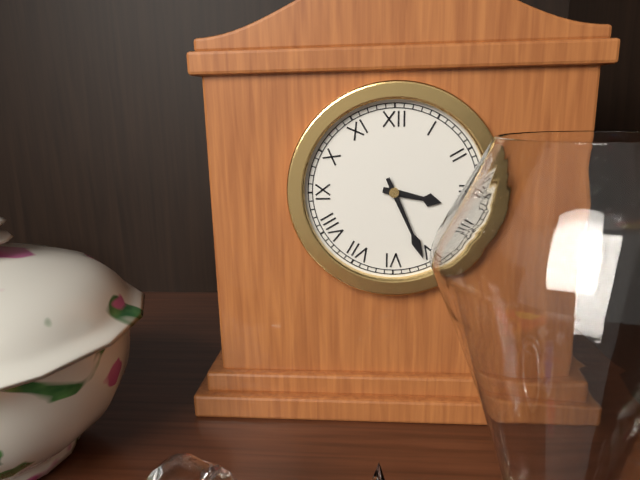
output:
3.26
